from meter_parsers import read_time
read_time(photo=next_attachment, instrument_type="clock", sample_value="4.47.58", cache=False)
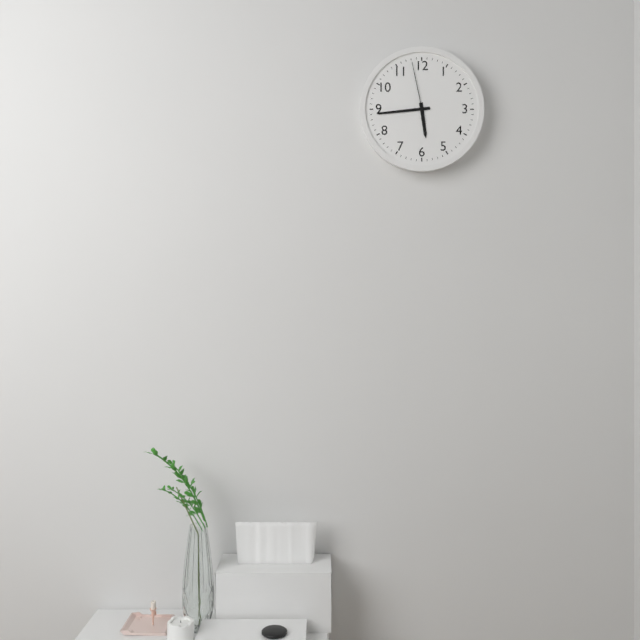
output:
5.44.58
